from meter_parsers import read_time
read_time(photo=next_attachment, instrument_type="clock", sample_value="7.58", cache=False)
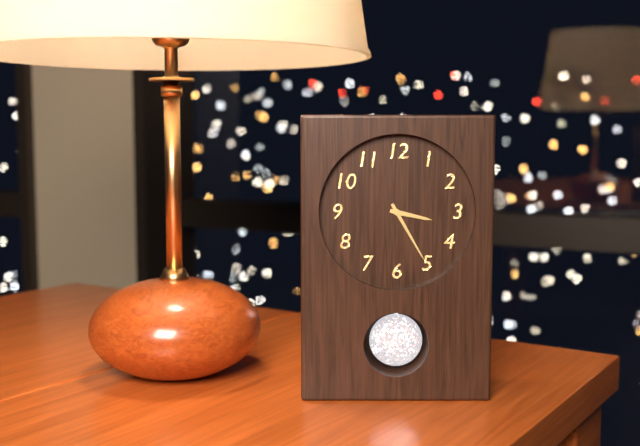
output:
3.25
